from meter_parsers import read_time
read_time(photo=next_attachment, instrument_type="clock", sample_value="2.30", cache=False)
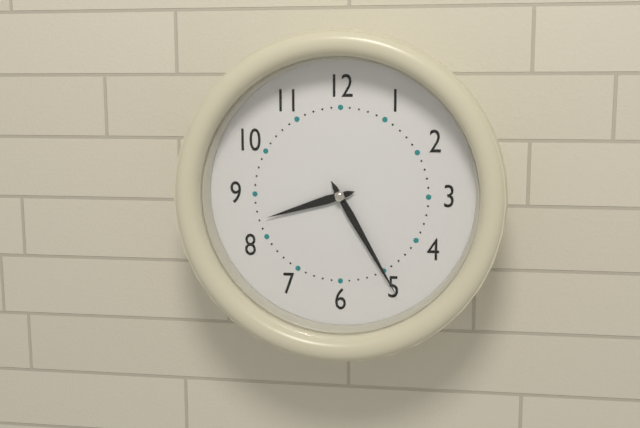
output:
8.25
